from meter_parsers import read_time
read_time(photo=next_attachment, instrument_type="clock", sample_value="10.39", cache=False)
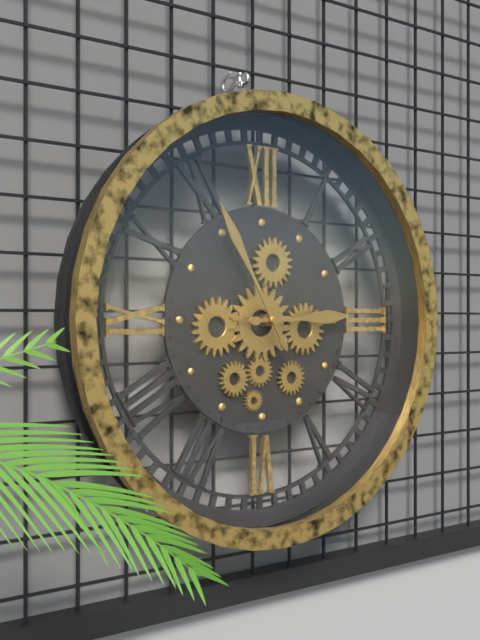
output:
2.55
